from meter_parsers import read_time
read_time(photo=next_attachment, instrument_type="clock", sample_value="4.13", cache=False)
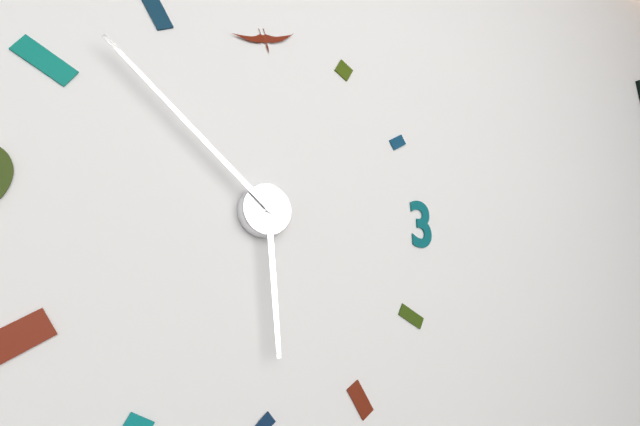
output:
5.52
